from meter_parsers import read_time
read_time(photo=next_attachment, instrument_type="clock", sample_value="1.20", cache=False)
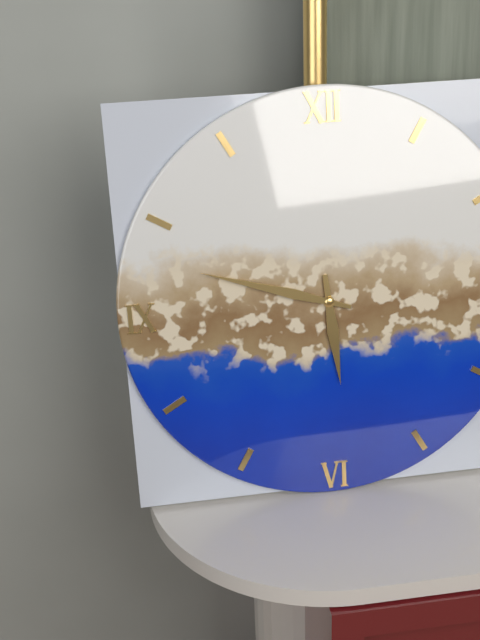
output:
5.48
